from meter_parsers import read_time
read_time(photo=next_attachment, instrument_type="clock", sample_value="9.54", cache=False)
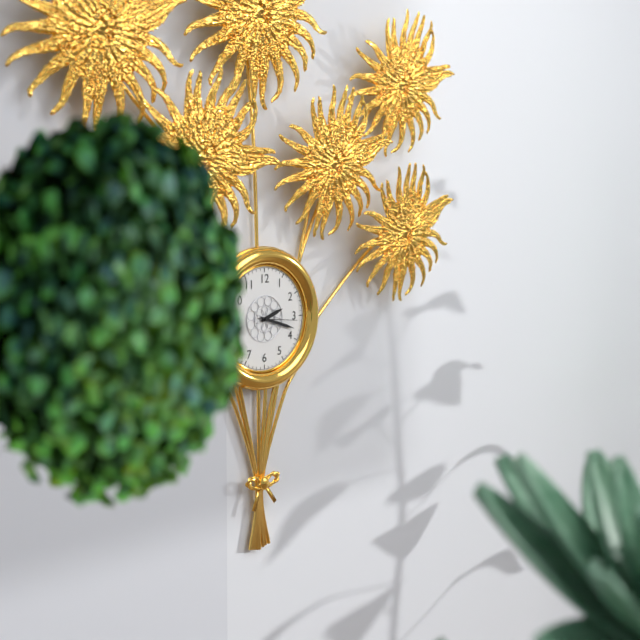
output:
2.18
